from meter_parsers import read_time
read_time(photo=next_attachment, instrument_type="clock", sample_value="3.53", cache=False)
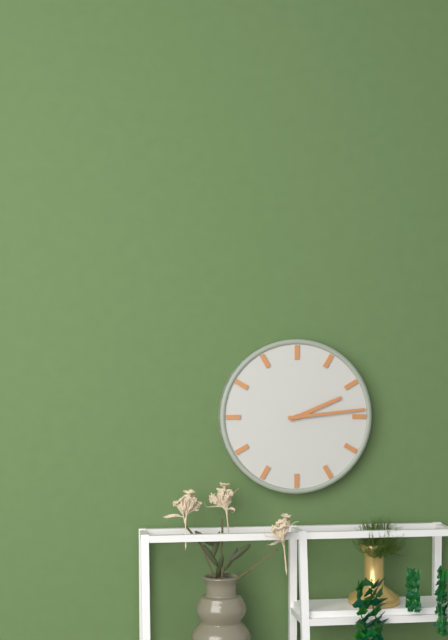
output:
2.14
